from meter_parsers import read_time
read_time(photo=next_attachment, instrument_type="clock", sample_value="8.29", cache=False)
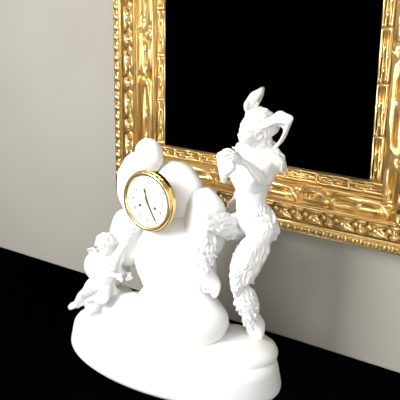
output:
11.25
